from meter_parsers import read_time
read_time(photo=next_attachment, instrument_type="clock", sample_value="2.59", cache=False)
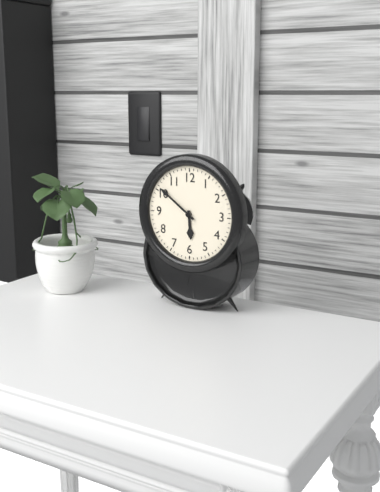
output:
5.51
